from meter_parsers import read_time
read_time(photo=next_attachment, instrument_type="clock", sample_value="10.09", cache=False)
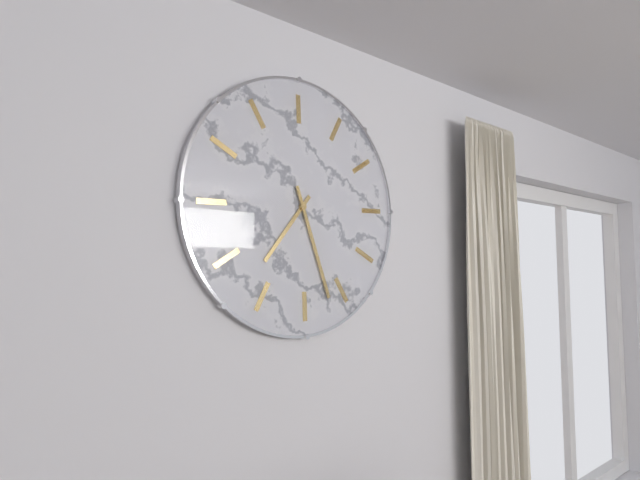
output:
6.22
